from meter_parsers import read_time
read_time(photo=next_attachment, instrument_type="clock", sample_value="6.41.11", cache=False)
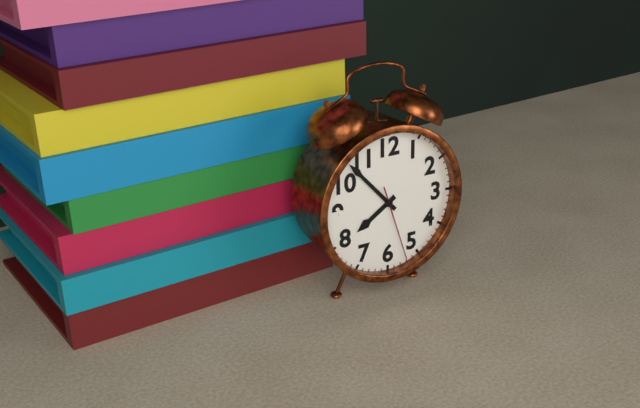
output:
7.53.27
